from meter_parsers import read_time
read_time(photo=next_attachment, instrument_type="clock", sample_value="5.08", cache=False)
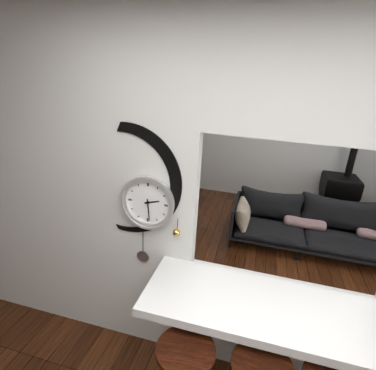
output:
2.29
